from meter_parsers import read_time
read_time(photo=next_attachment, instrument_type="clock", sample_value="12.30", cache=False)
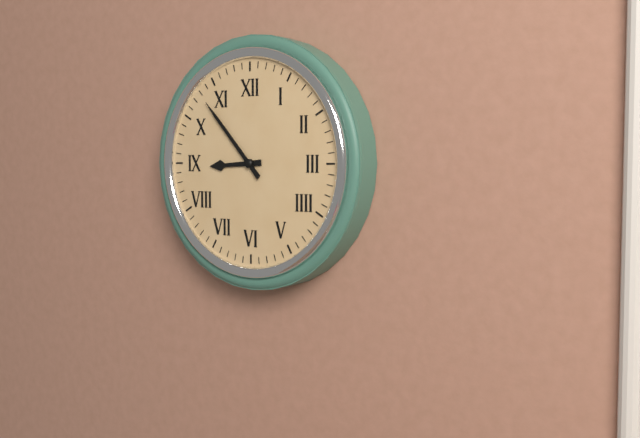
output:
8.53
